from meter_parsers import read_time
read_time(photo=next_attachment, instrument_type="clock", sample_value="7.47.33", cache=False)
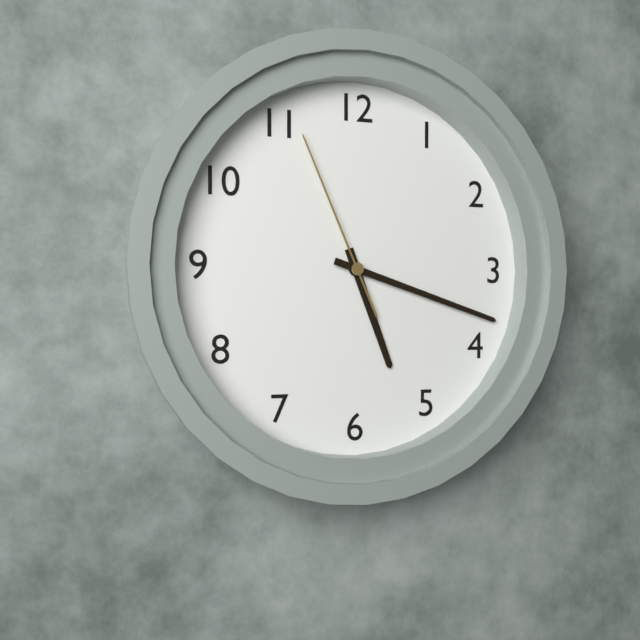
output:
5.18.56
